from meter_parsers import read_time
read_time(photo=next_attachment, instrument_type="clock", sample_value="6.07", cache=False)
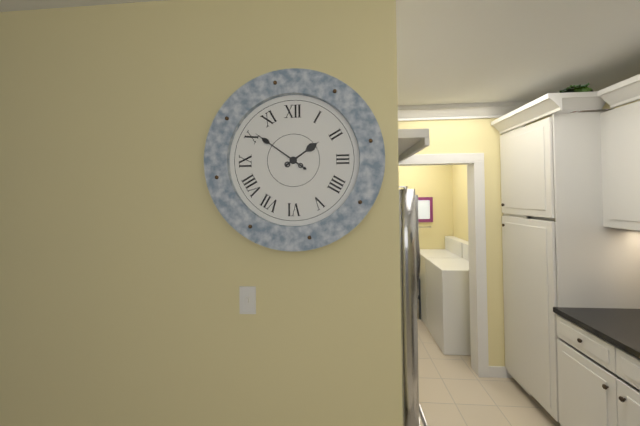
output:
1.51
